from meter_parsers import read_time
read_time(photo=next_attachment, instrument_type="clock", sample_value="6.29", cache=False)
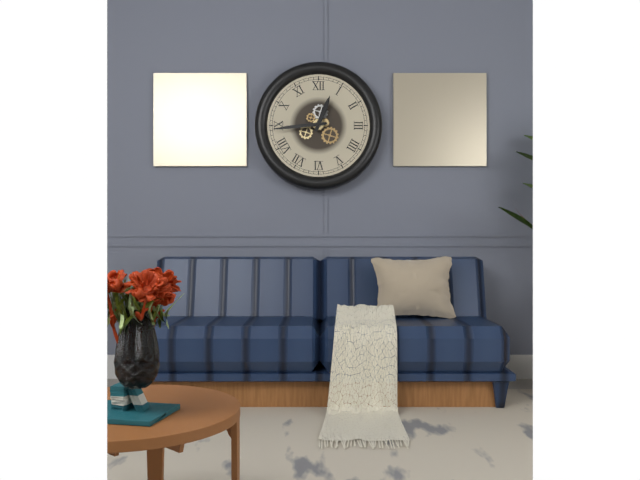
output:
12.44
